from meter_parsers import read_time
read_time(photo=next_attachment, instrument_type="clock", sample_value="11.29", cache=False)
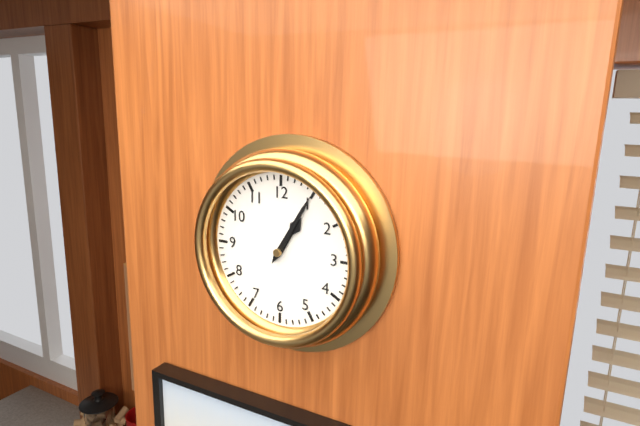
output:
1.05
